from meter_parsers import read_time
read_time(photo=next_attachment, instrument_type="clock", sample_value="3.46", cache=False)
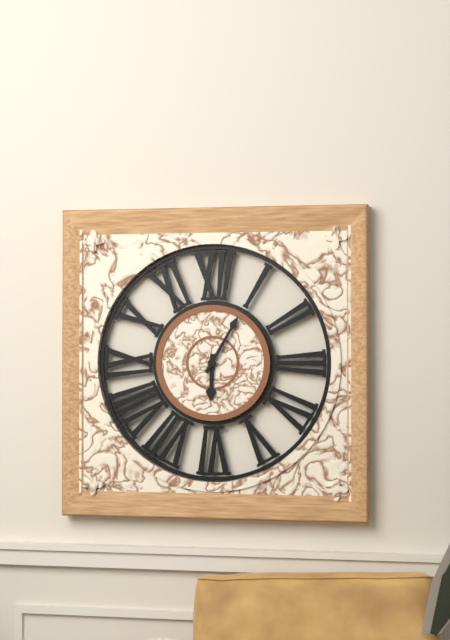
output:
6.05
